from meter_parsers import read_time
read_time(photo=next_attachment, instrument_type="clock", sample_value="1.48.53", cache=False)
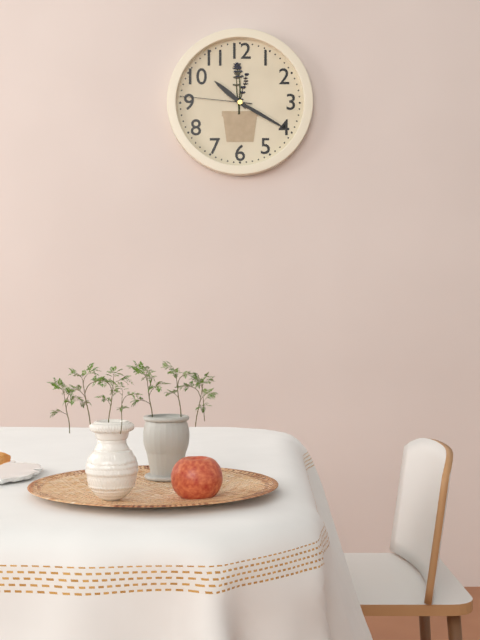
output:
10.20.46
